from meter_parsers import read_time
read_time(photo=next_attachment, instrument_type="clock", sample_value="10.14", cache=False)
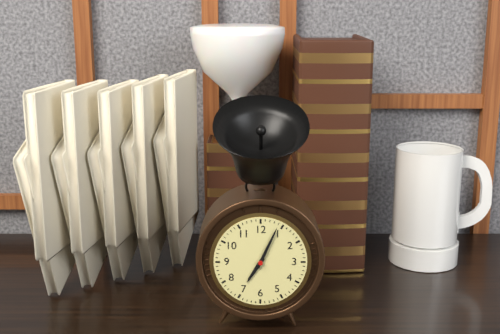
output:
7.04
